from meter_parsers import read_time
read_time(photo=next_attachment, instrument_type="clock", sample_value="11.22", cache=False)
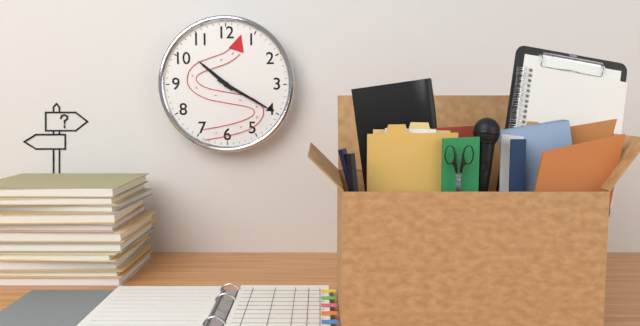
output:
10.20
